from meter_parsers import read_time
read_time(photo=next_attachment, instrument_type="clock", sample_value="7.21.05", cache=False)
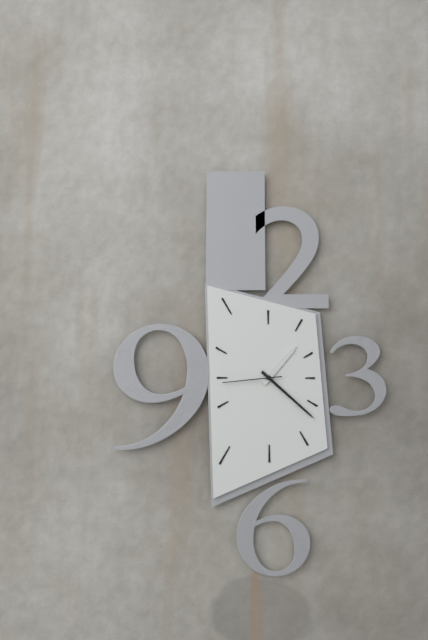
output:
1.22.44
